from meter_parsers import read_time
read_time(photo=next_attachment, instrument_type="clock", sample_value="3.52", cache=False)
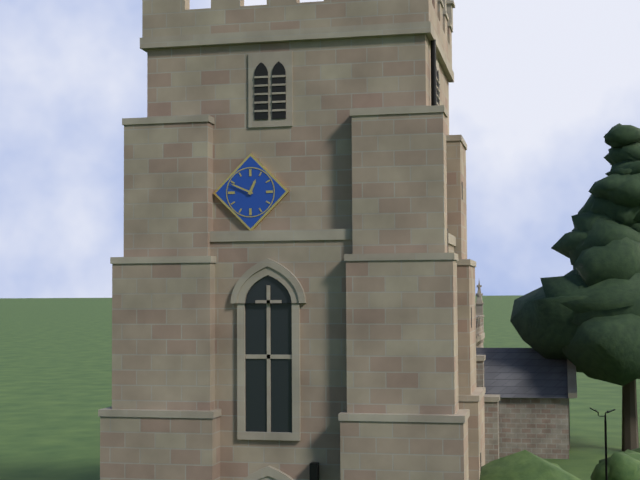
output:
12.49
